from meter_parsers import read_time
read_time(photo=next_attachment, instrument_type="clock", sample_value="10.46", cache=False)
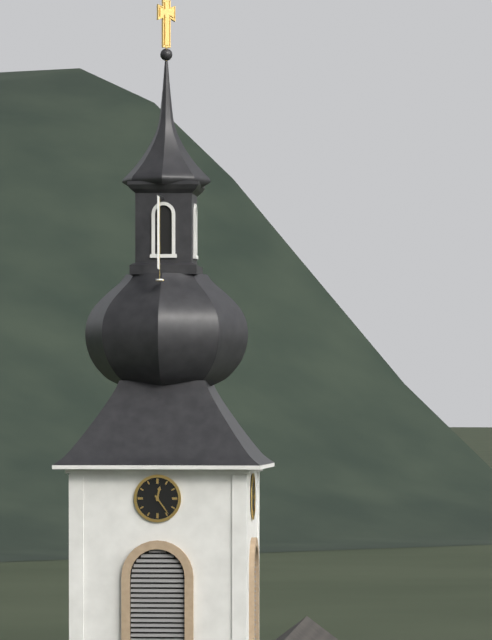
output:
12.24
